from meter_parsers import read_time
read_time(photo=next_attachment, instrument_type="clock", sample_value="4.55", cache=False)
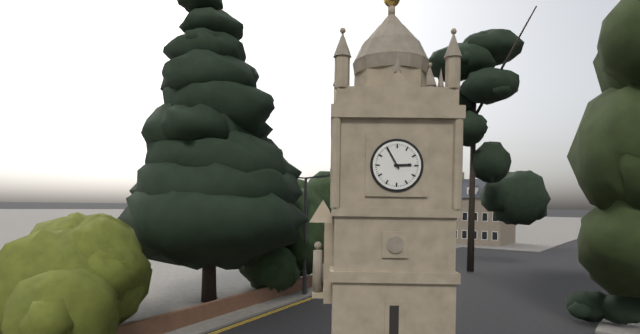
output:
2.55
